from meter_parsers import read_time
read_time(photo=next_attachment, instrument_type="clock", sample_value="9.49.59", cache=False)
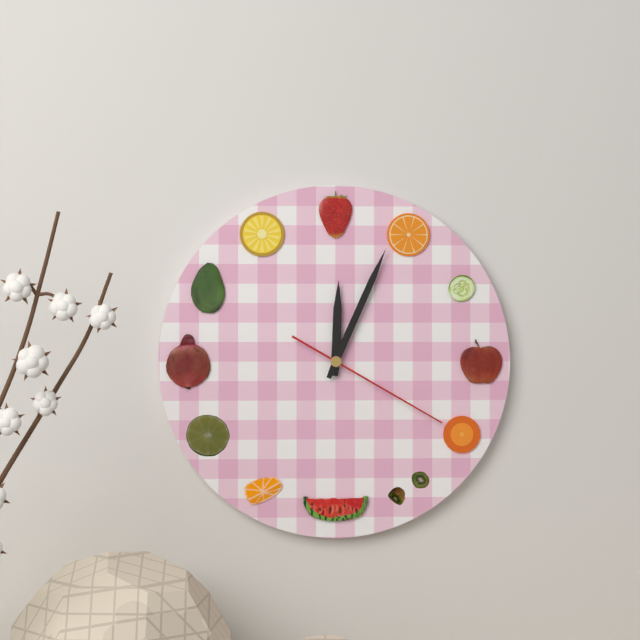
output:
12.04.20
